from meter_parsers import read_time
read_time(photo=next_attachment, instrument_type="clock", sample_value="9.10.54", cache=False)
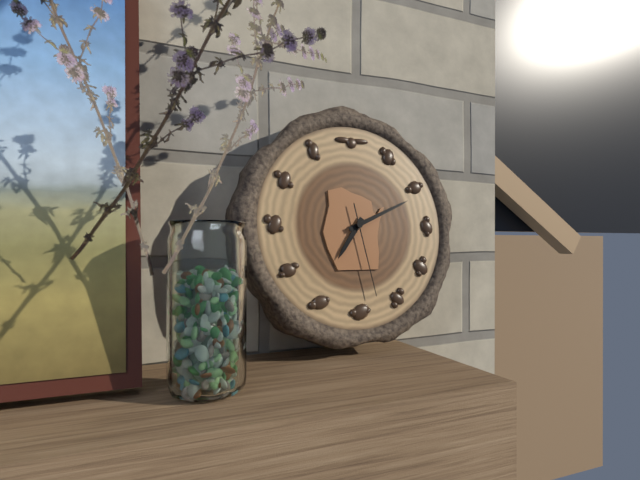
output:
7.11.28
